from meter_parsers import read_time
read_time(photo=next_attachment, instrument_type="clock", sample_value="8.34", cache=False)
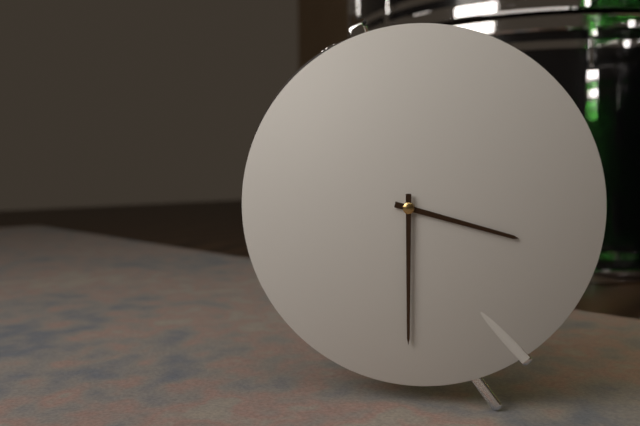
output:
3.30
